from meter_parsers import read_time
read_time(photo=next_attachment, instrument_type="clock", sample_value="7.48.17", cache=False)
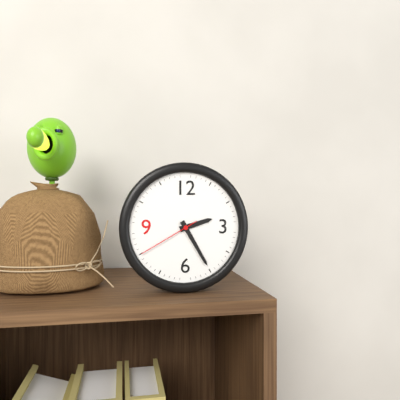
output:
2.25.40
